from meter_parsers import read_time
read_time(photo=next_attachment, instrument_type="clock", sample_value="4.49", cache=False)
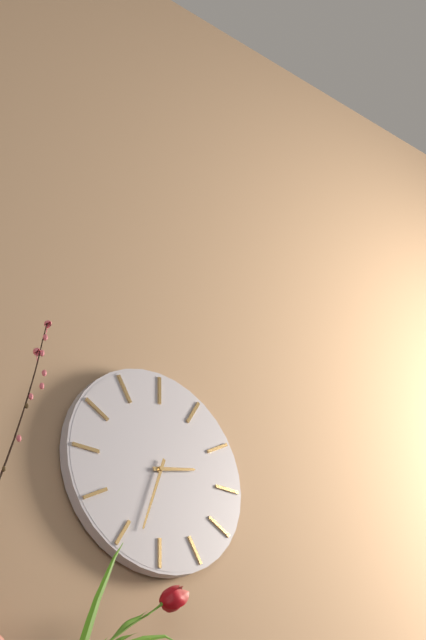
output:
2.33
